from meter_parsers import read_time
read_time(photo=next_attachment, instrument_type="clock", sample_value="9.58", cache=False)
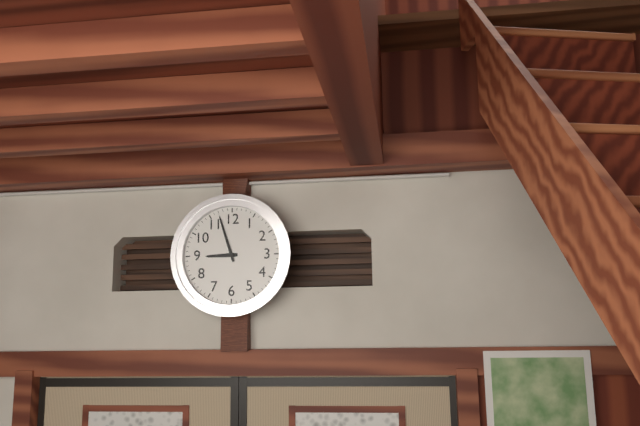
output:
8.57
